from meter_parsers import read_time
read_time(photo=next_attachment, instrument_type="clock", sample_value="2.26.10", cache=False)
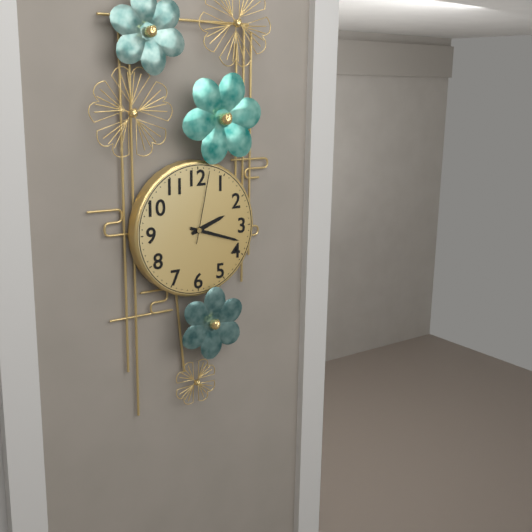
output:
2.18.02
